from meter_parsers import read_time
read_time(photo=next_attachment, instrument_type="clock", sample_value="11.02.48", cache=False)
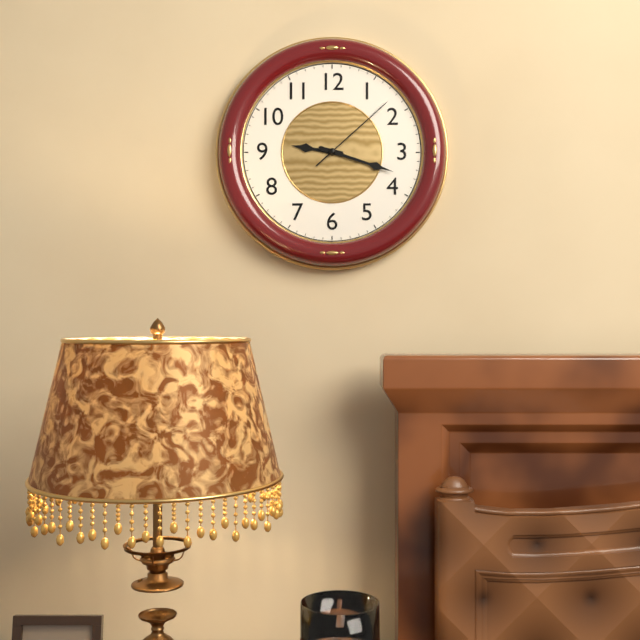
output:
9.18.08
